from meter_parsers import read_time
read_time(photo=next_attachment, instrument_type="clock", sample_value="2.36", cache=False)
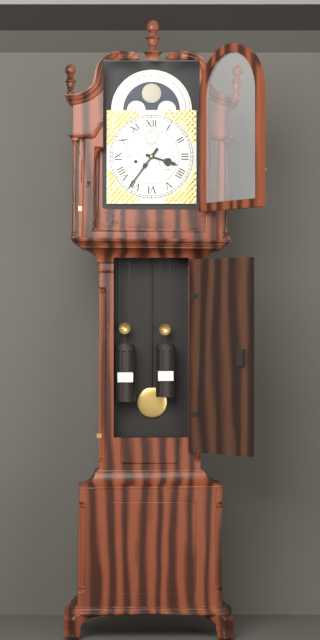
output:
3.36
